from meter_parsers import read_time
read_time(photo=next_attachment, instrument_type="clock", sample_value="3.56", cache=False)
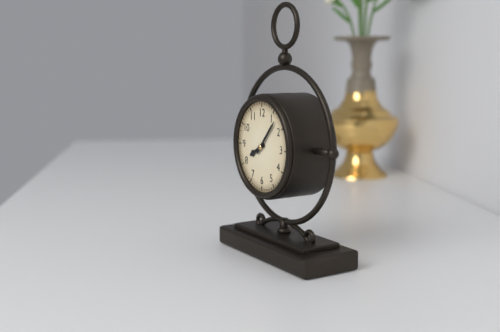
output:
8.07
